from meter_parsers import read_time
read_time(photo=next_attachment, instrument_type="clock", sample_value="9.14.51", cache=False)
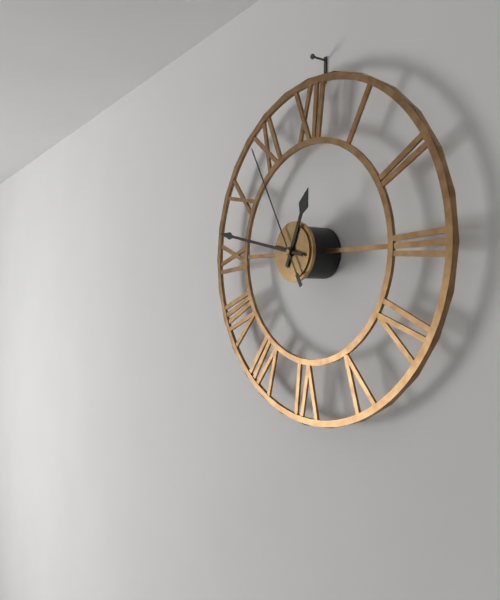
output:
12.47.55
